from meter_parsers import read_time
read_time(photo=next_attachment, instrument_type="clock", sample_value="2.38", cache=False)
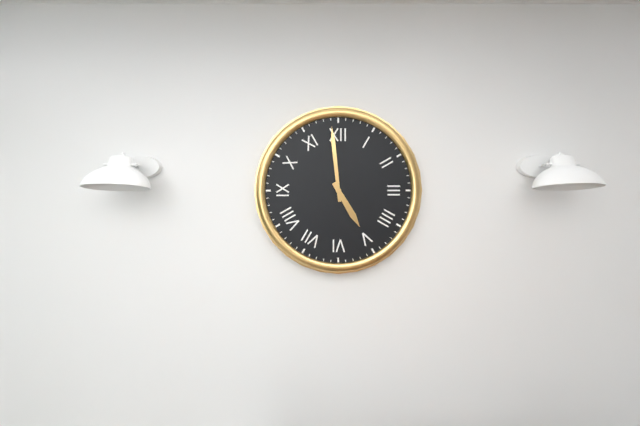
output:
4.59
